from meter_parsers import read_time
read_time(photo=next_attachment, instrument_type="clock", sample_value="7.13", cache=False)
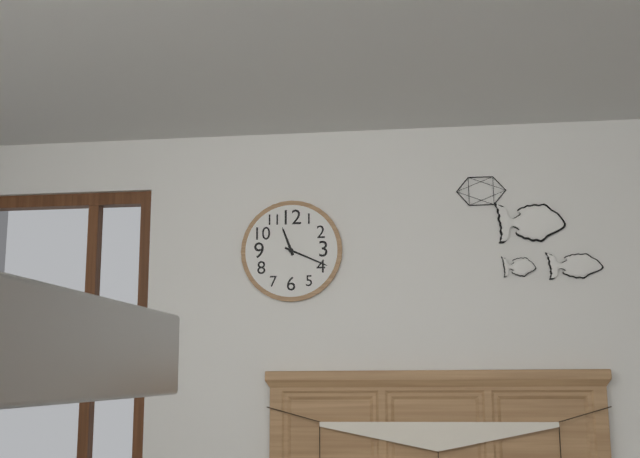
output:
11.19
